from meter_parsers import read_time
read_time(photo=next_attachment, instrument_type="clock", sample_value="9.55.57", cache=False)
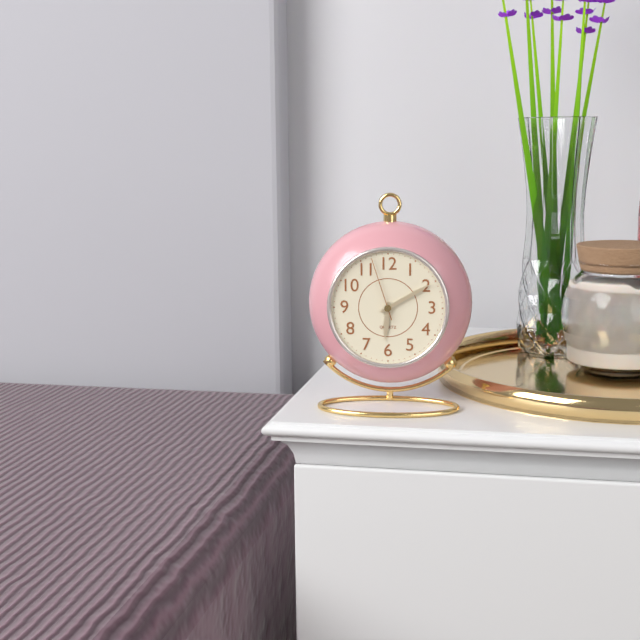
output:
6.10.57
